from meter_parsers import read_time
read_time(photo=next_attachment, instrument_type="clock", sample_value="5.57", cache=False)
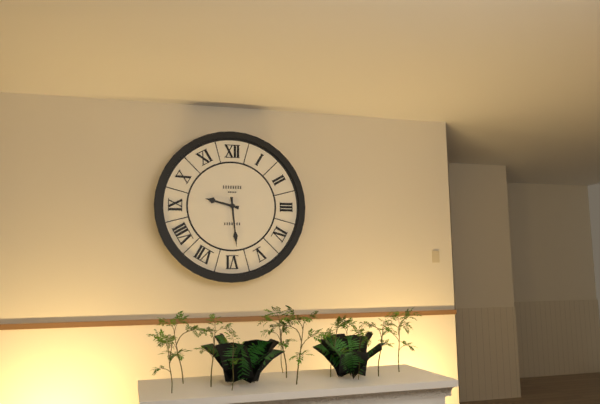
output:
9.29
